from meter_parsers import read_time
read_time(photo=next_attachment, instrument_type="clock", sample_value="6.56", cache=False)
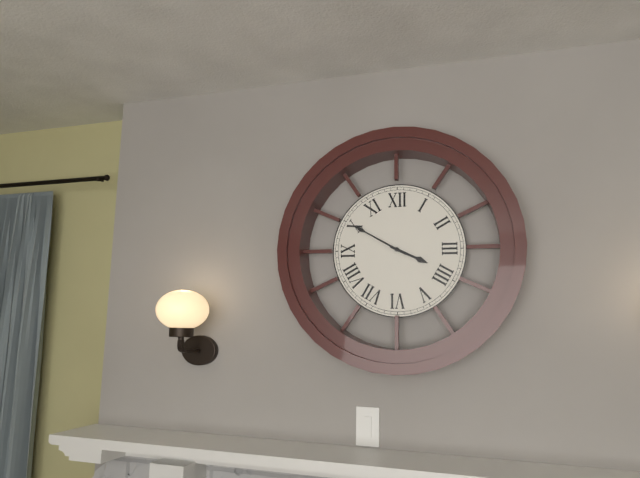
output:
3.50
